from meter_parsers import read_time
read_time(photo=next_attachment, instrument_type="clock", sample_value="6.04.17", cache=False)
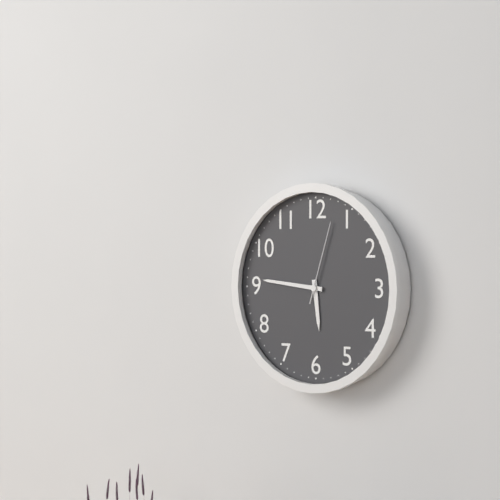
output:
5.46.03
